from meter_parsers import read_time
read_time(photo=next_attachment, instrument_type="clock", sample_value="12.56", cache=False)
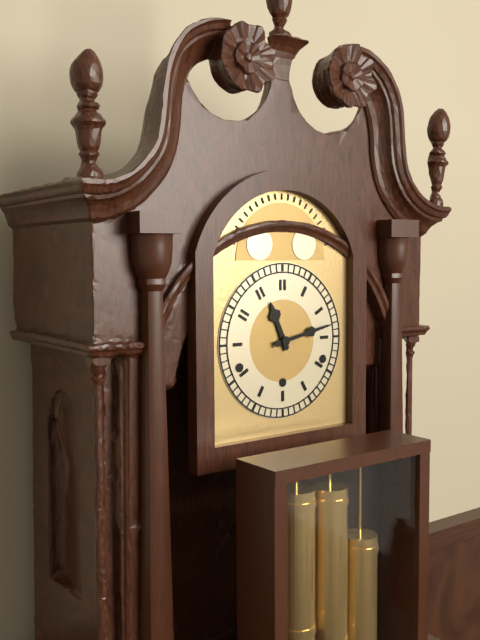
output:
11.13
